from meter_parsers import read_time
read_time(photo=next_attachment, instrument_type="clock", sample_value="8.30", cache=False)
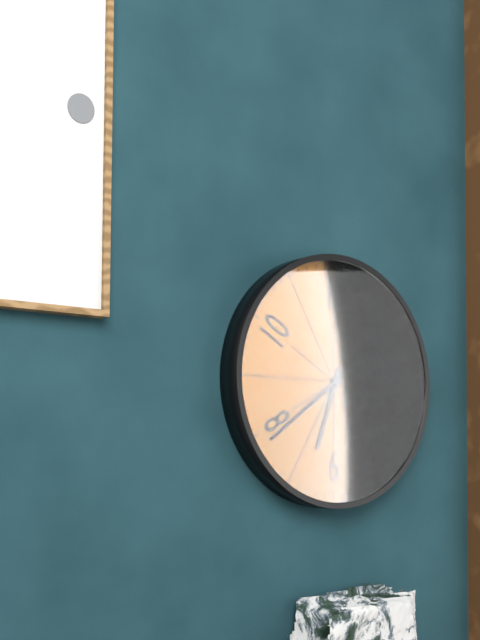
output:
6.39
